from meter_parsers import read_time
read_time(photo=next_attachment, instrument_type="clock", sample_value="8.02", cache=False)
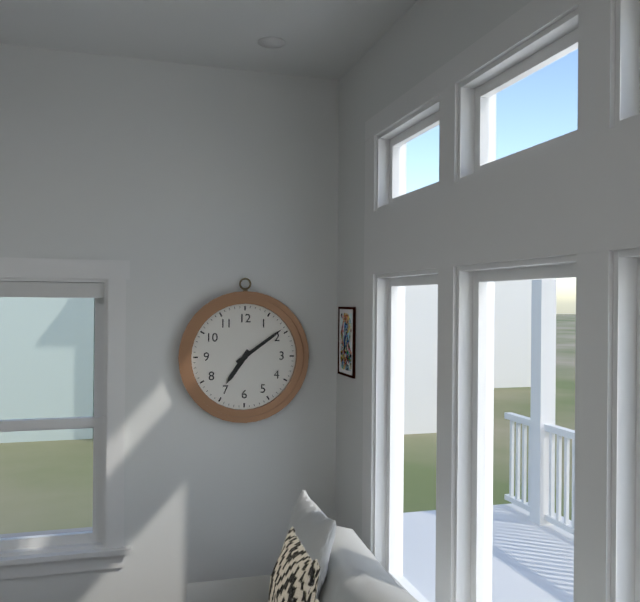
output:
7.09
